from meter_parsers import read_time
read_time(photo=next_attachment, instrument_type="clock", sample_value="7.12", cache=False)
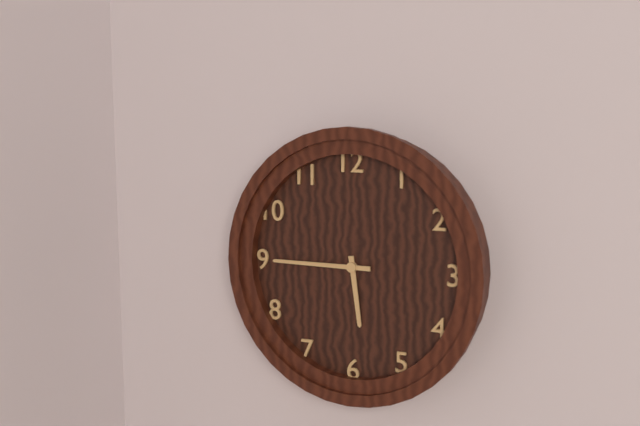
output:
5.45
